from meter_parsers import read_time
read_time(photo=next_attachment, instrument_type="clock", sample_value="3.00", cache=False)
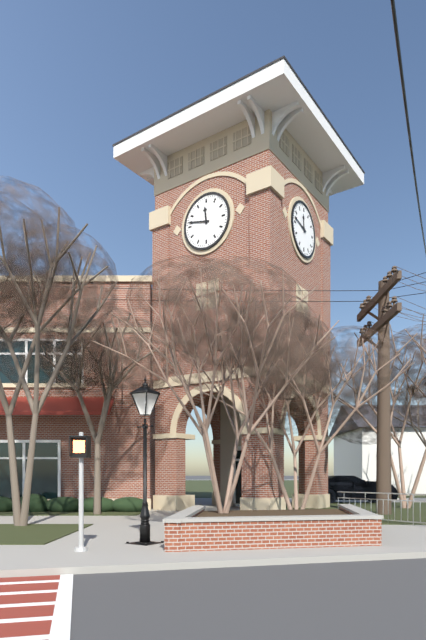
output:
11.47
